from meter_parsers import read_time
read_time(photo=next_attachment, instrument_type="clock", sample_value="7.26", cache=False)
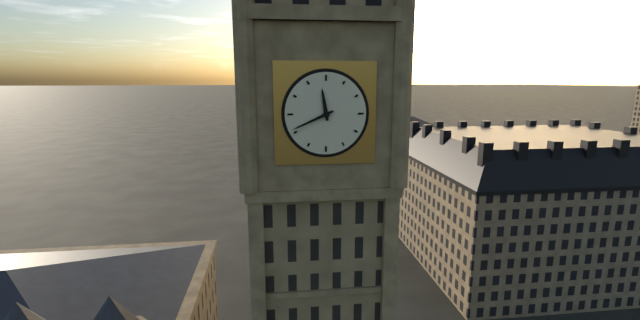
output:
11.41
